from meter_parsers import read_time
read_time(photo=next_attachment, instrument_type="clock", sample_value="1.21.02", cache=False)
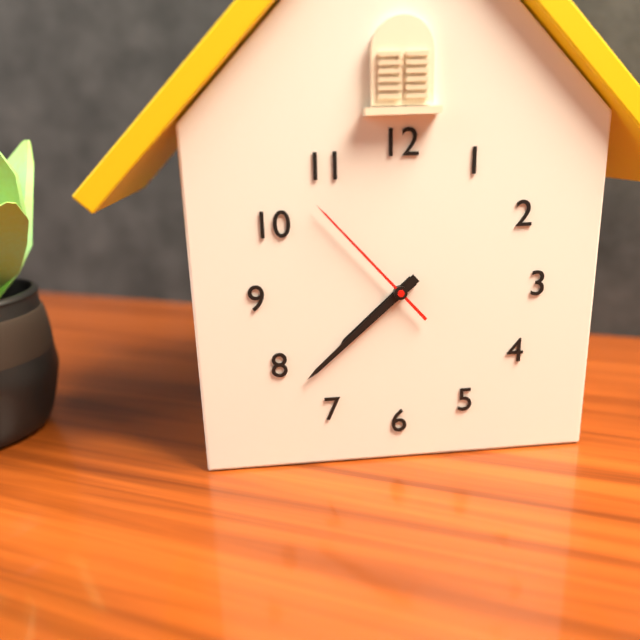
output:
7.38.53
